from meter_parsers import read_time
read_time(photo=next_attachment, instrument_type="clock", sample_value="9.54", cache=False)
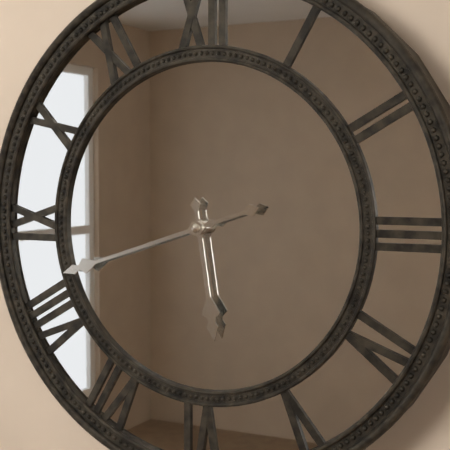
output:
5.42
